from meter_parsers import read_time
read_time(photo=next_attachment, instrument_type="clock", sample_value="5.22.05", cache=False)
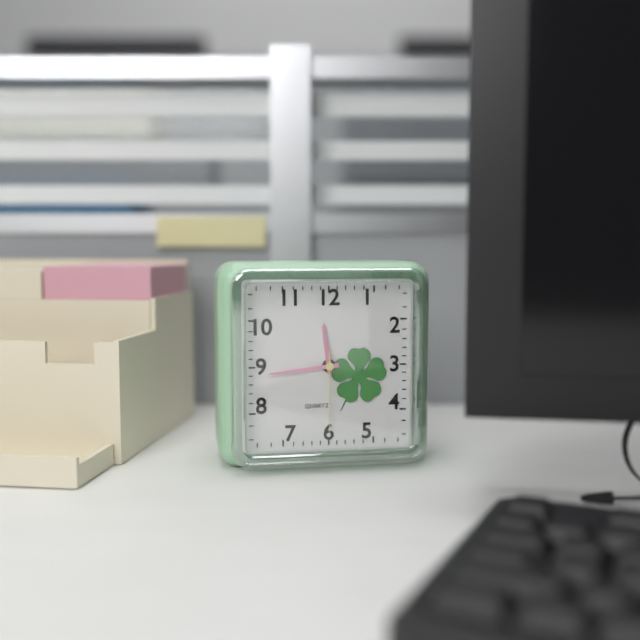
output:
11.44.30
